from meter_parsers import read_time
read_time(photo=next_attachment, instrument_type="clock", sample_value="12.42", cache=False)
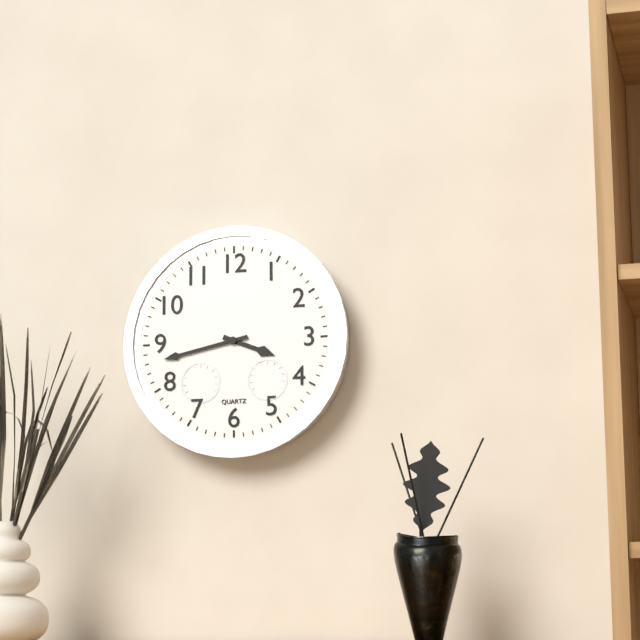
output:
3.43
